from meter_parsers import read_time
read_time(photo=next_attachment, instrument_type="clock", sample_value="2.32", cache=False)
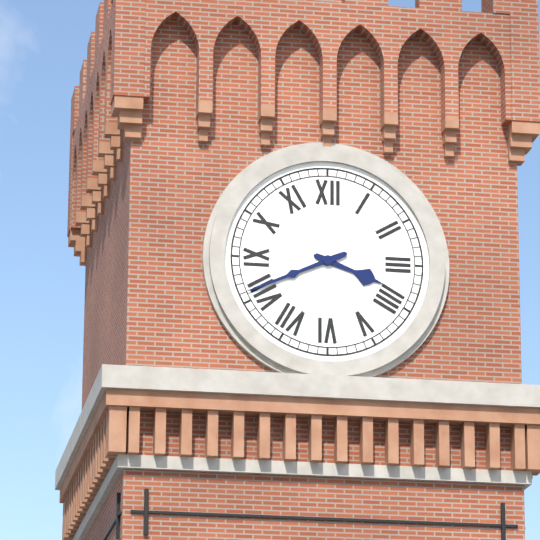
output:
3.41
